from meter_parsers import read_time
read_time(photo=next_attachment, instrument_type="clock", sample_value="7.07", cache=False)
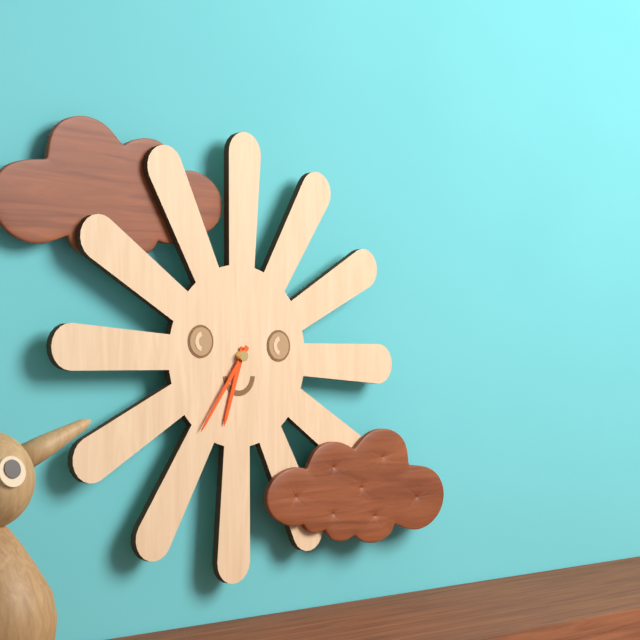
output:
6.36
